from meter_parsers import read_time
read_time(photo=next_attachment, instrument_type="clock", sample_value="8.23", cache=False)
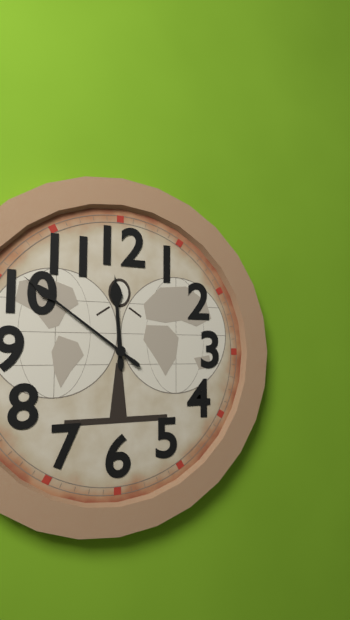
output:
11.51
